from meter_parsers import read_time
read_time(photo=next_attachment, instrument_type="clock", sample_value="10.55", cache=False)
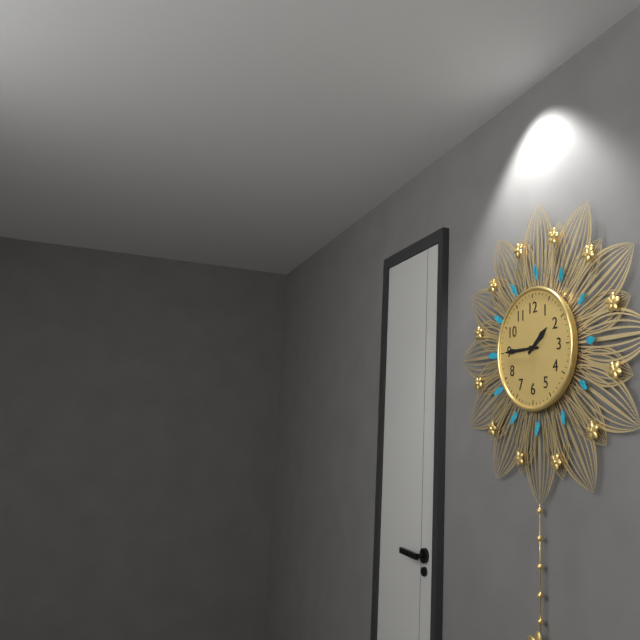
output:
1.45
